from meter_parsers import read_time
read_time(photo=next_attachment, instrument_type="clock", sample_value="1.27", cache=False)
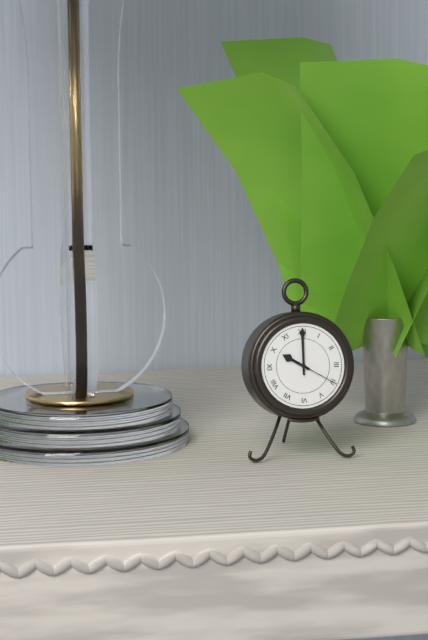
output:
10.00
